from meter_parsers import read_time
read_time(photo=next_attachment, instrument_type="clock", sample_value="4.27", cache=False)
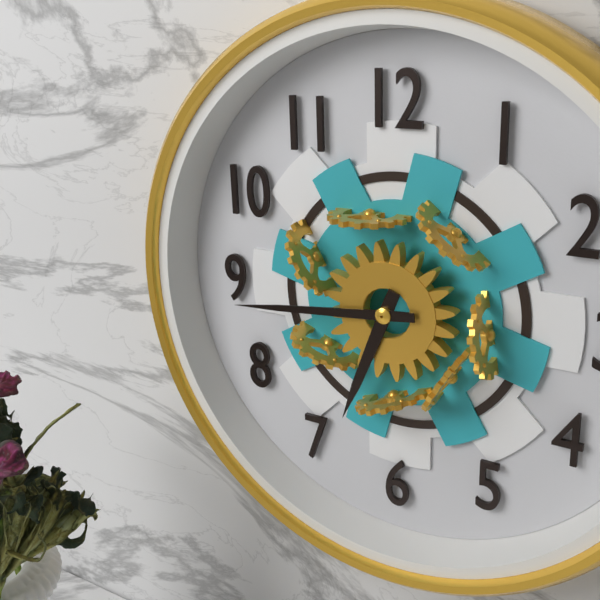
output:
6.44
